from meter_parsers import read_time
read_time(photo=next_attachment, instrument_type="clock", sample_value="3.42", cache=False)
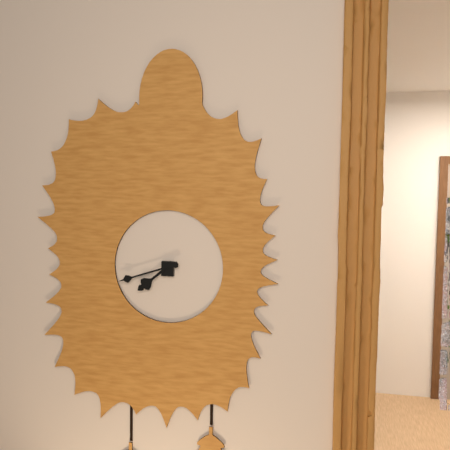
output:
7.42
